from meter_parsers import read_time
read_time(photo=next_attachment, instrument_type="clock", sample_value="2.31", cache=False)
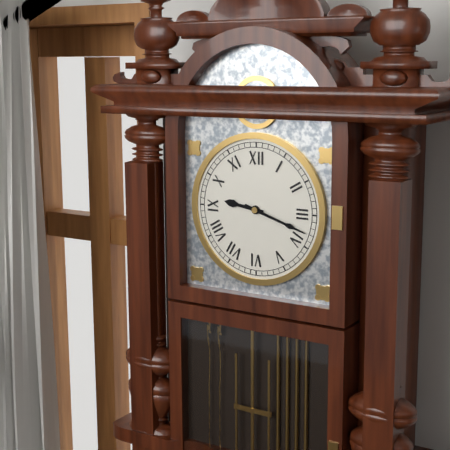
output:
9.18
